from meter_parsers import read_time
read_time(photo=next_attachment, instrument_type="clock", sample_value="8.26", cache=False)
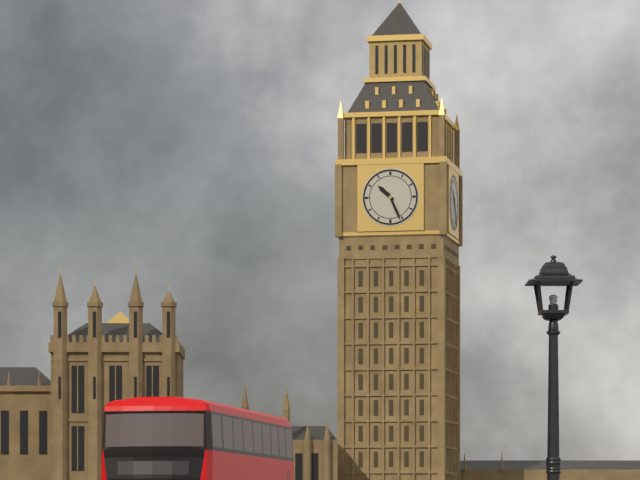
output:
10.26
